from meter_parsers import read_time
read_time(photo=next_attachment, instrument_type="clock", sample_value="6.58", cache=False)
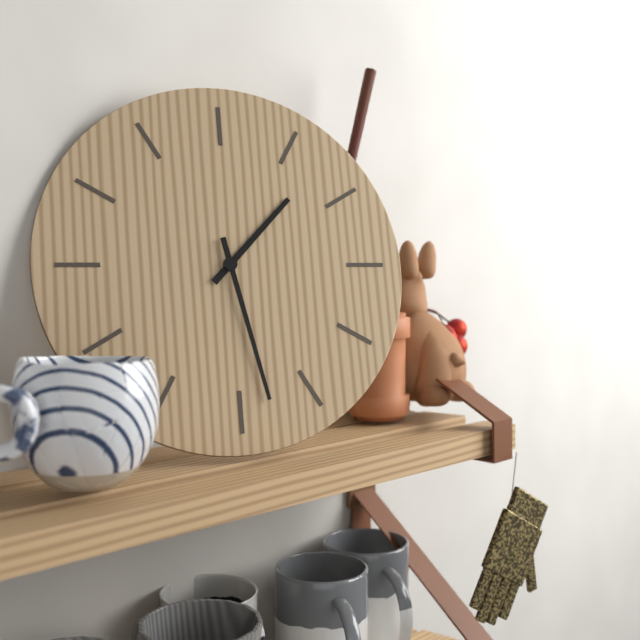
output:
1.28
